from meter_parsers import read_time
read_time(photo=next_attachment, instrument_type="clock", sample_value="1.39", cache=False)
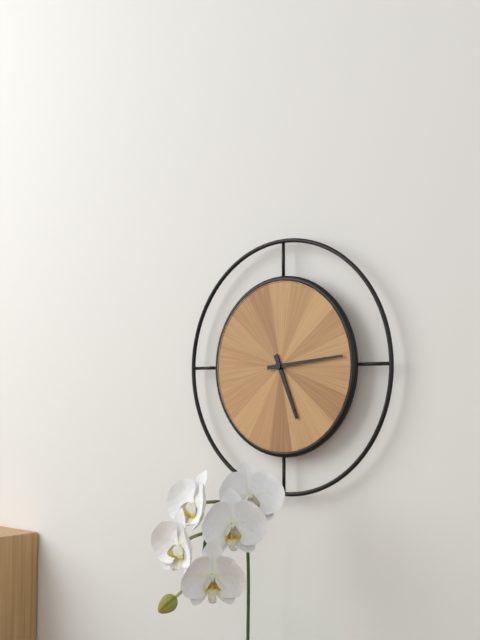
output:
5.14
